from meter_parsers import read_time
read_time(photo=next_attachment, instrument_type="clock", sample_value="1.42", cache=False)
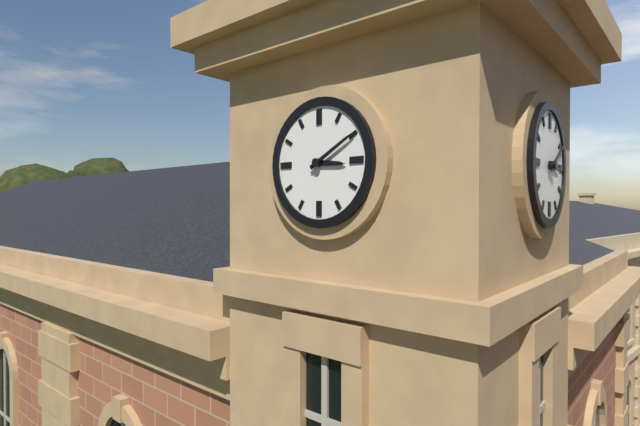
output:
3.10
